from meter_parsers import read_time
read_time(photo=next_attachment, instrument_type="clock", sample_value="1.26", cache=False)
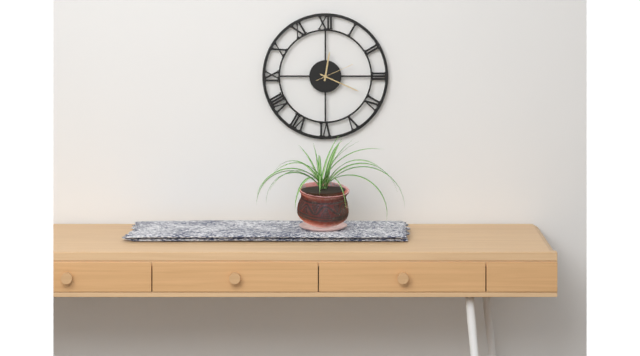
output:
12.19
